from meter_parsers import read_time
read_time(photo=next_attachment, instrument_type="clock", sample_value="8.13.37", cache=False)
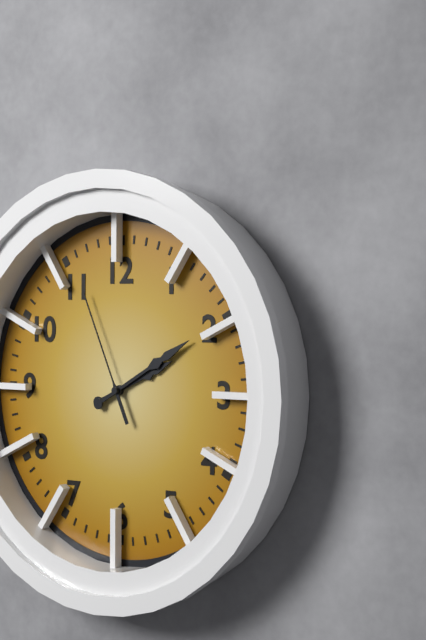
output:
2.10.56
